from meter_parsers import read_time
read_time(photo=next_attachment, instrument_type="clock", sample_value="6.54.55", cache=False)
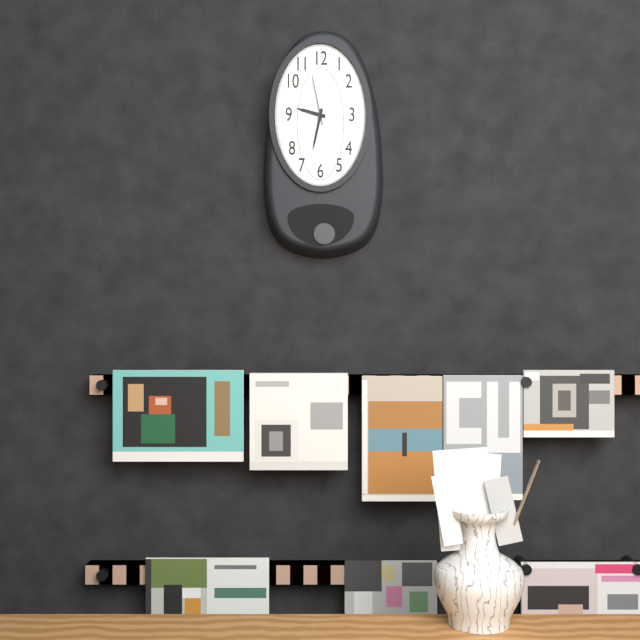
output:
9.32.58
